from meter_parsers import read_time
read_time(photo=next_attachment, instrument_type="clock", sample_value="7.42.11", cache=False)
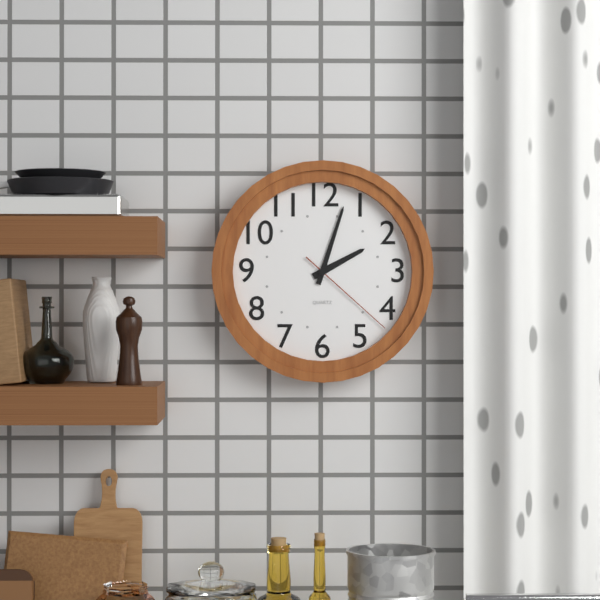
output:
2.03.22
